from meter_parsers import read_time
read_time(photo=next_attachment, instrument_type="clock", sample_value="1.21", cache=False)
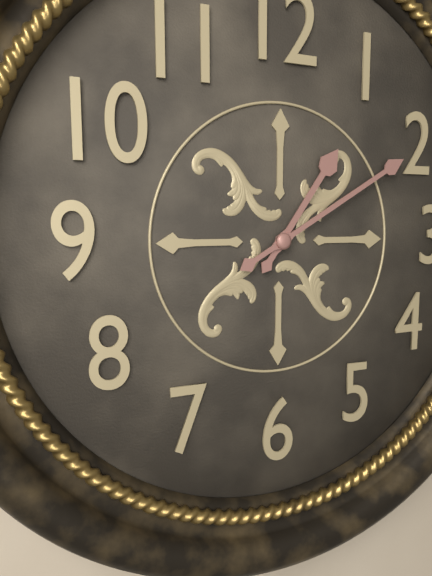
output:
1.10
